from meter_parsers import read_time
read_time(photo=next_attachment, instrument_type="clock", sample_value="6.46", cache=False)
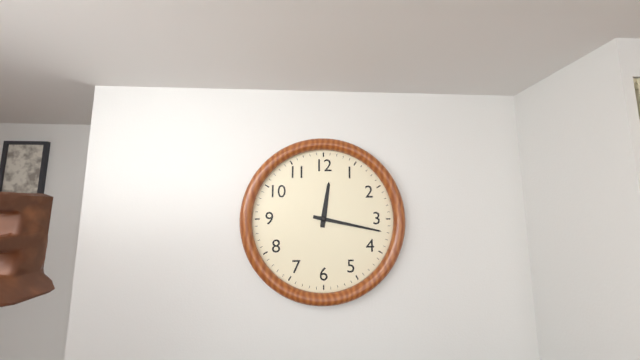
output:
12.17
